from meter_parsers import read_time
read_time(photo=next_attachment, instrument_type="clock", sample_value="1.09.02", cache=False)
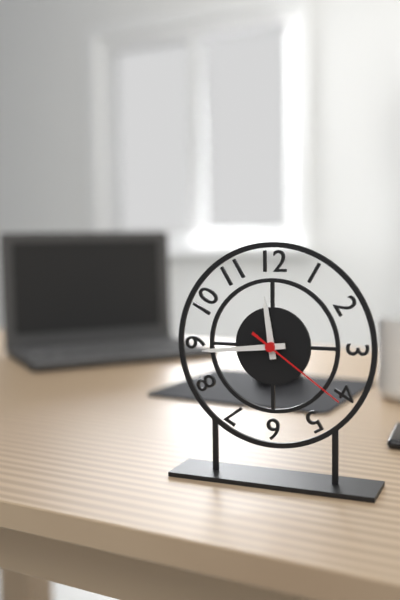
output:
11.44.21
